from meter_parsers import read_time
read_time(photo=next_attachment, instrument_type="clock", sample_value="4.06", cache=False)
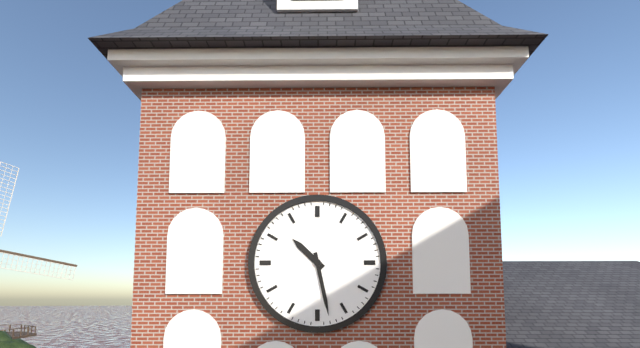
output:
10.28
